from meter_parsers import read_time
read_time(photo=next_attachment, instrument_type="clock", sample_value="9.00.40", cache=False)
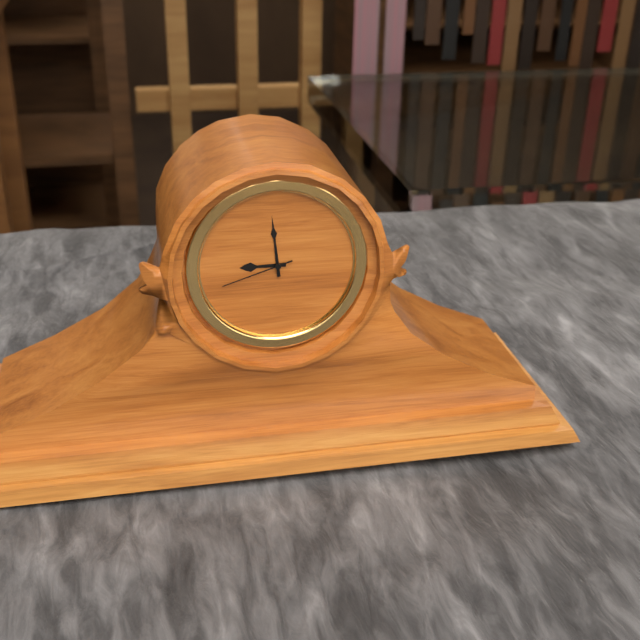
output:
8.59.42
